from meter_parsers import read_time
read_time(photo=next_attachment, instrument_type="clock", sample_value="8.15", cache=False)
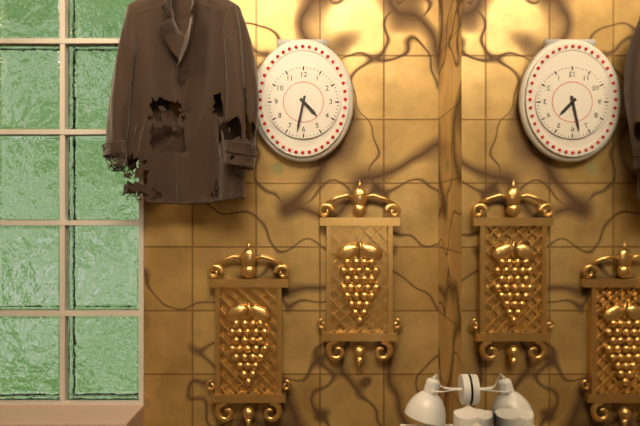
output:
4.32
